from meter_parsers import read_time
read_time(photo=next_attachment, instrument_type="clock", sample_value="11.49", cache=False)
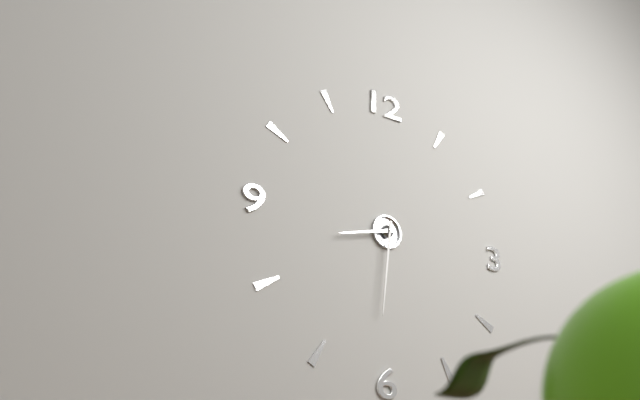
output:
8.31
